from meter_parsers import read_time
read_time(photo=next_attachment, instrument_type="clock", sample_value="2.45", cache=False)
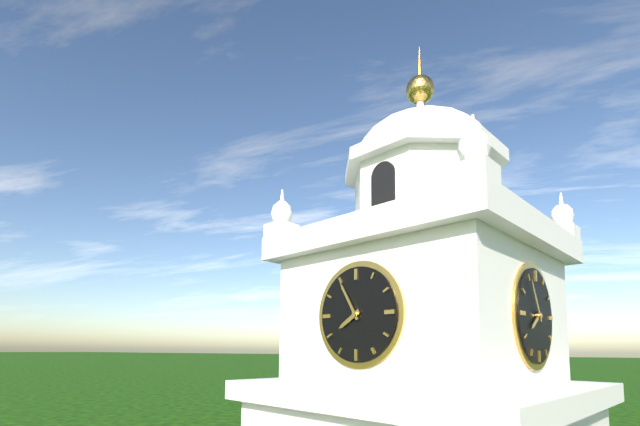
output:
7.55
